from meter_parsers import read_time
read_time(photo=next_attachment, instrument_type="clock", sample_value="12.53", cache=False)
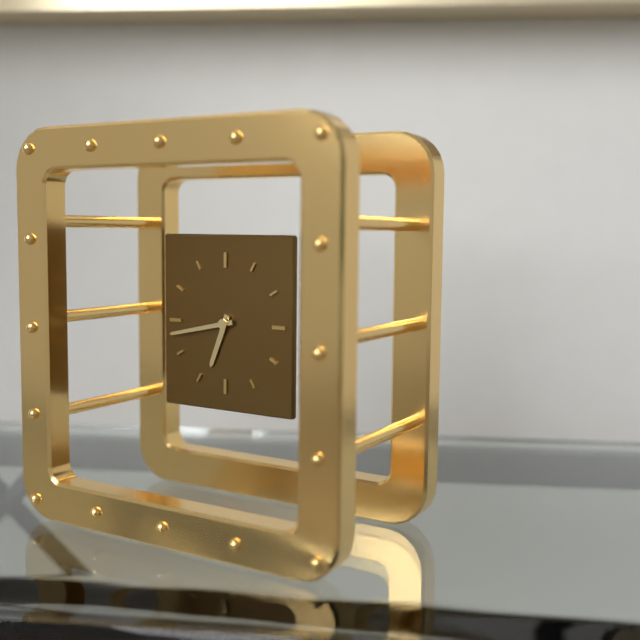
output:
6.43
